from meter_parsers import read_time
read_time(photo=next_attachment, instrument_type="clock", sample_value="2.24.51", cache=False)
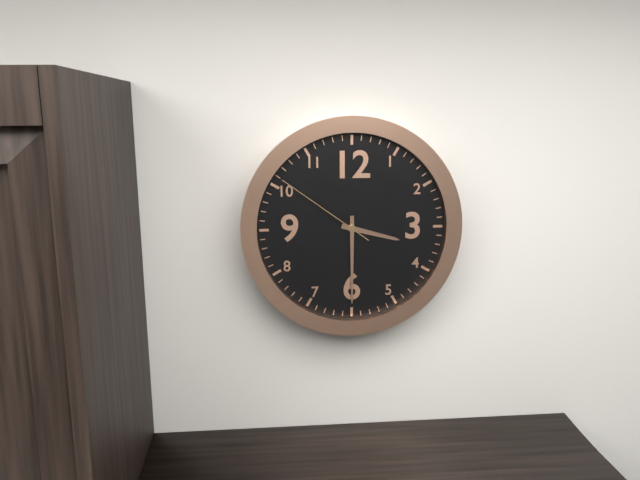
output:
3.30.51
